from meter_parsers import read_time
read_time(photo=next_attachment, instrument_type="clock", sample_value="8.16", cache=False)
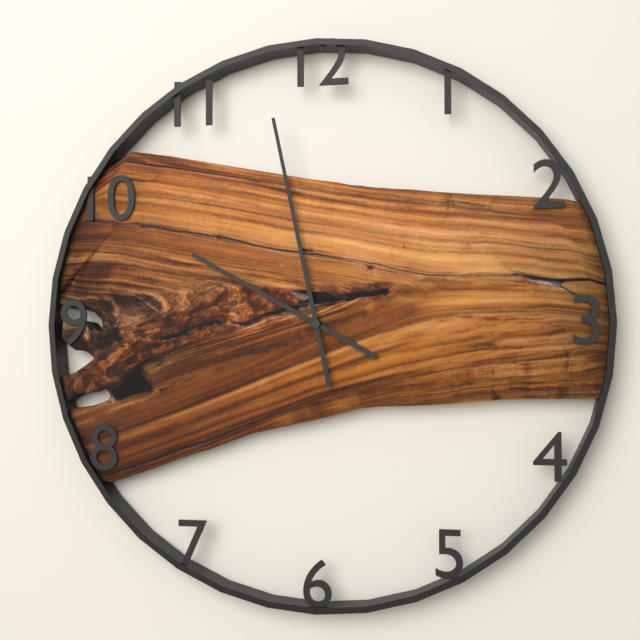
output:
9.58
